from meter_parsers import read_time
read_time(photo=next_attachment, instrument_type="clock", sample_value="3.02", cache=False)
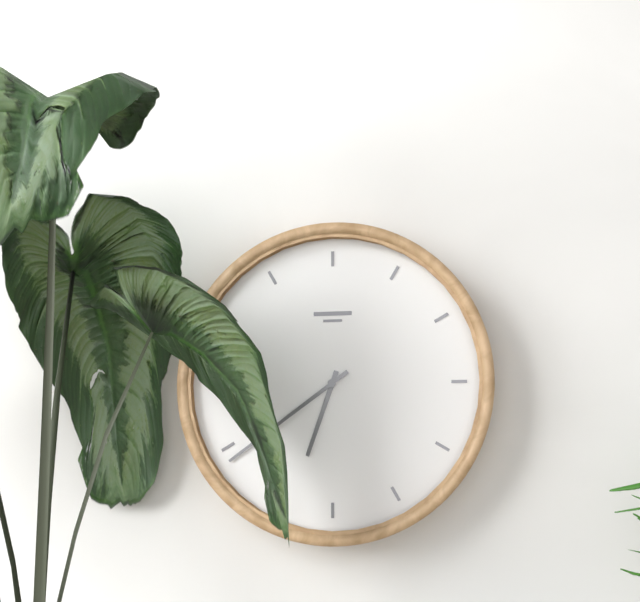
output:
6.39
